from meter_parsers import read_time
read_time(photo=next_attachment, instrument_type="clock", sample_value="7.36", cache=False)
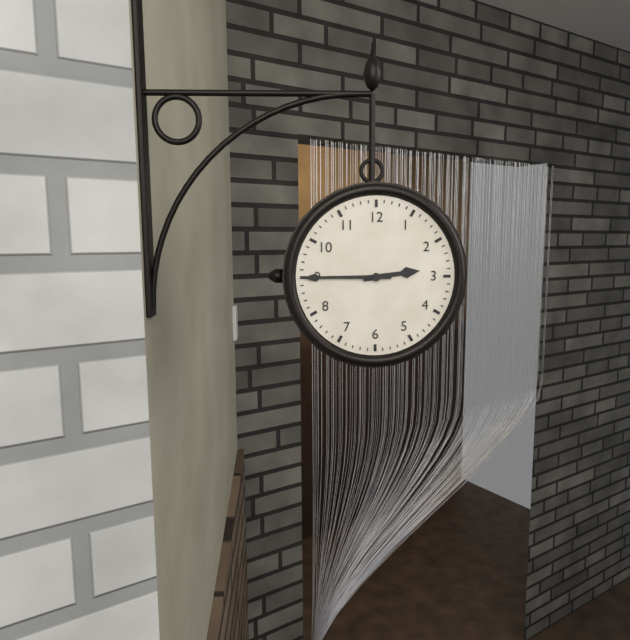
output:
2.45
